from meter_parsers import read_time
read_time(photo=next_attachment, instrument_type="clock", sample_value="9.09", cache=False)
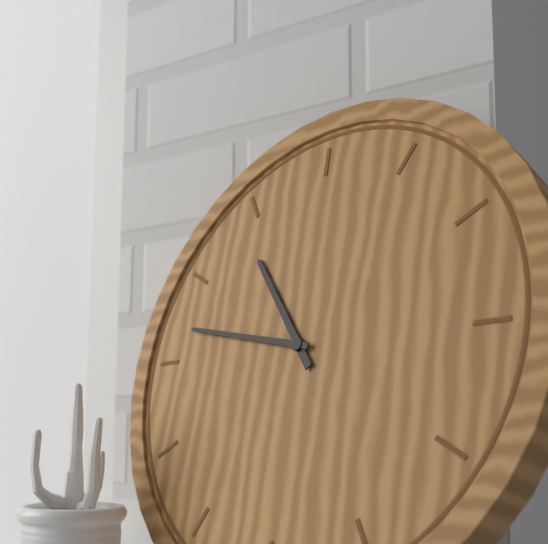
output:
10.47
